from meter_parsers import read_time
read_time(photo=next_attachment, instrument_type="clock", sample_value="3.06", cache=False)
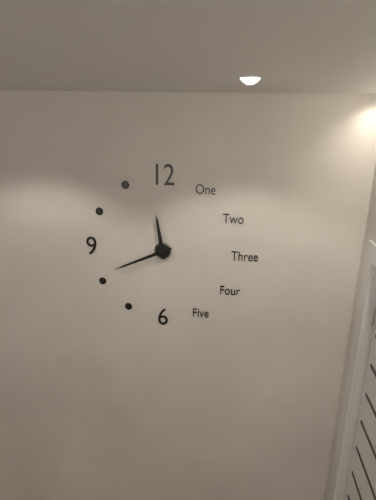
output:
11.41
